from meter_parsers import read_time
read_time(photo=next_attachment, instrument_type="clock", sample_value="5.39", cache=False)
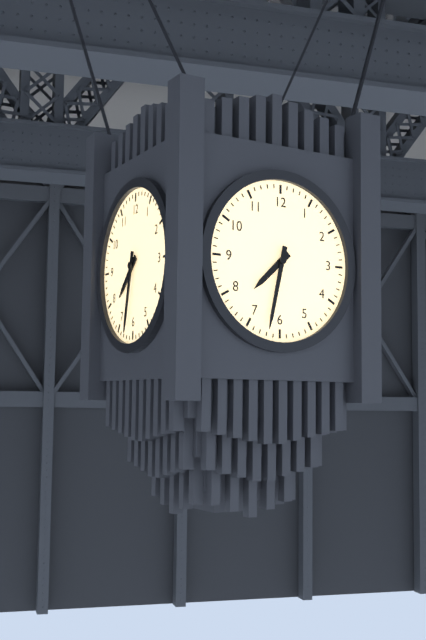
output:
7.32
